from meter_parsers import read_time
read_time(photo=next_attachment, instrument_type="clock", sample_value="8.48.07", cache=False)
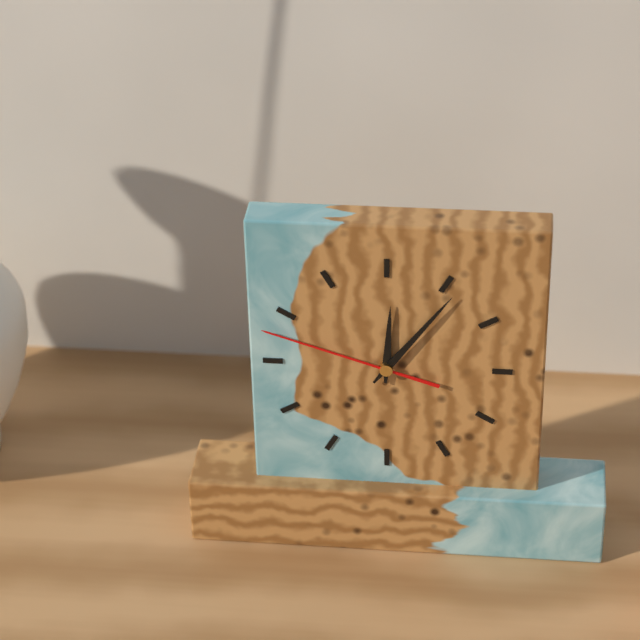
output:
12.06.48
